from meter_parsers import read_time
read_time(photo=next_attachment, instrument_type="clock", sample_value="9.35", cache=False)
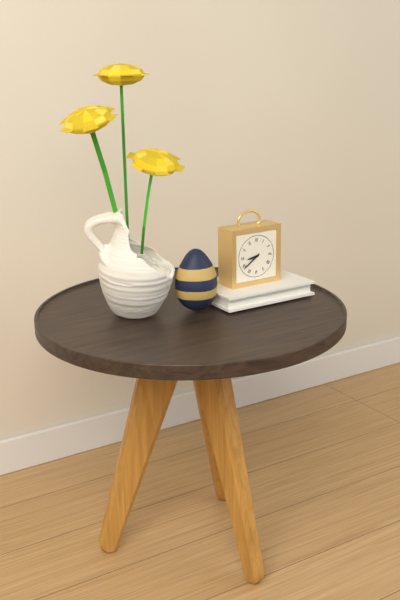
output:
8.39
